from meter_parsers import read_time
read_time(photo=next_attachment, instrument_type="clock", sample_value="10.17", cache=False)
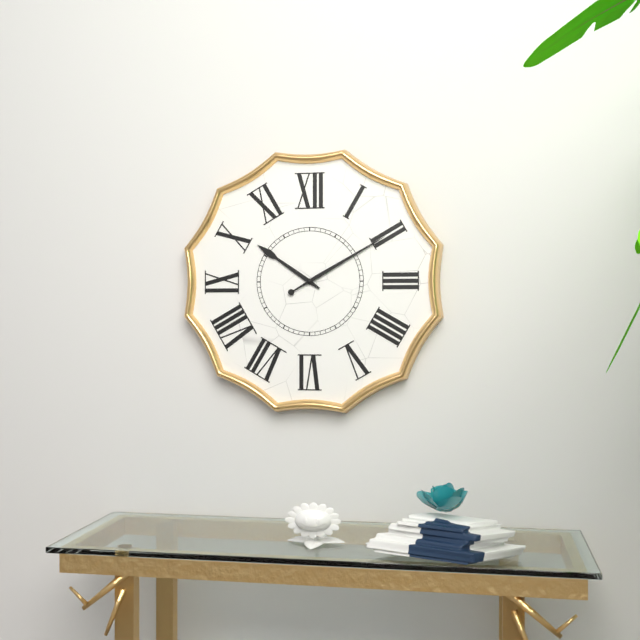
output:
10.10
